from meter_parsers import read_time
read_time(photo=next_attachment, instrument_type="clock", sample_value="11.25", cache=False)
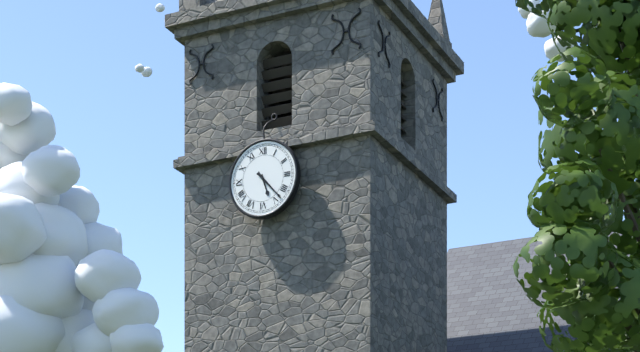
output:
5.23
